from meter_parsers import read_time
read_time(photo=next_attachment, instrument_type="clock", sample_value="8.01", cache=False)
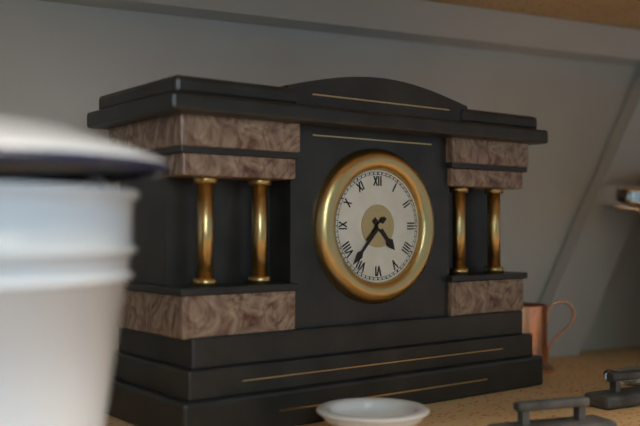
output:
4.37
